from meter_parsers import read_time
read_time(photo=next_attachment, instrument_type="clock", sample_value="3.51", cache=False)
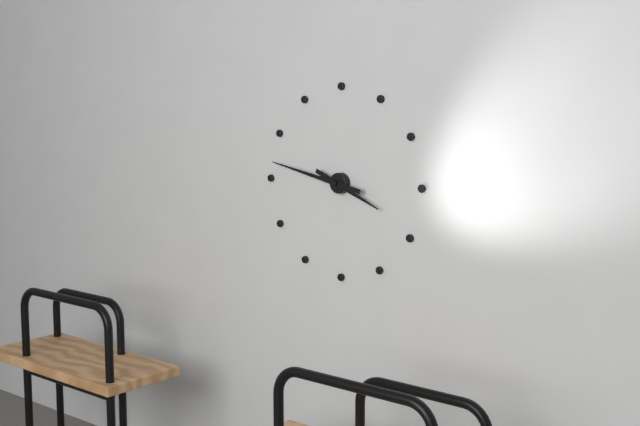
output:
3.47
